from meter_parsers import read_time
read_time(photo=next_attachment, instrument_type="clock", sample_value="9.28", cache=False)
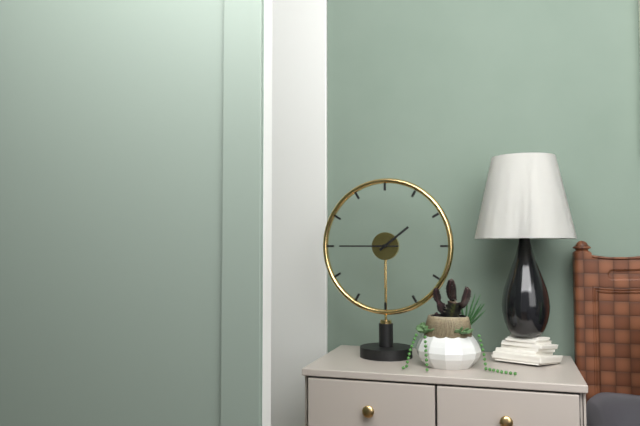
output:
1.45
